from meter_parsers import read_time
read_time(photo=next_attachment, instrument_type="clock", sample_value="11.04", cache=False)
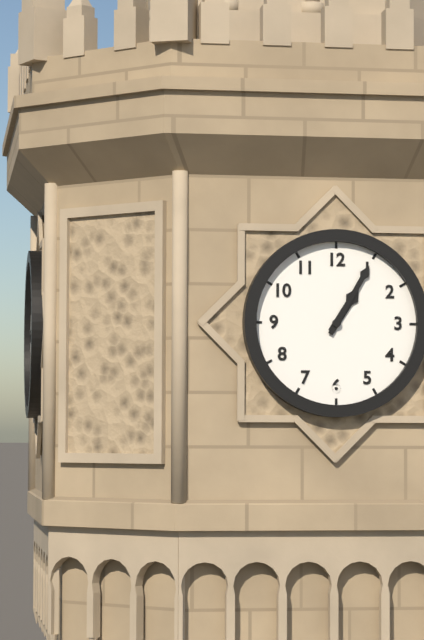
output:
1.05
